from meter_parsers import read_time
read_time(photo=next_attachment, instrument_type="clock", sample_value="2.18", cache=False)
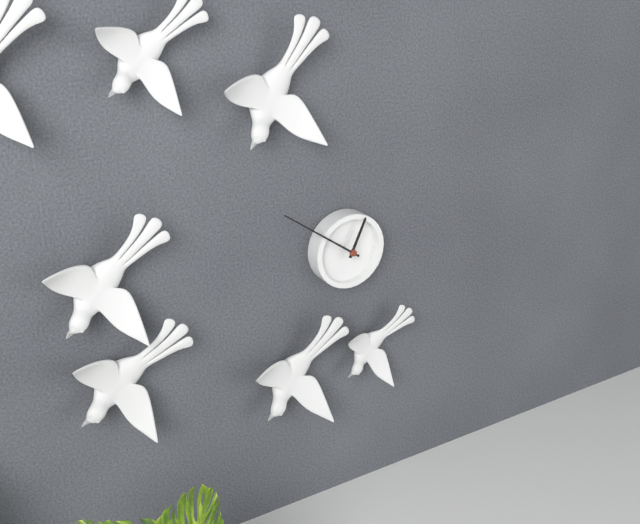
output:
12.51
